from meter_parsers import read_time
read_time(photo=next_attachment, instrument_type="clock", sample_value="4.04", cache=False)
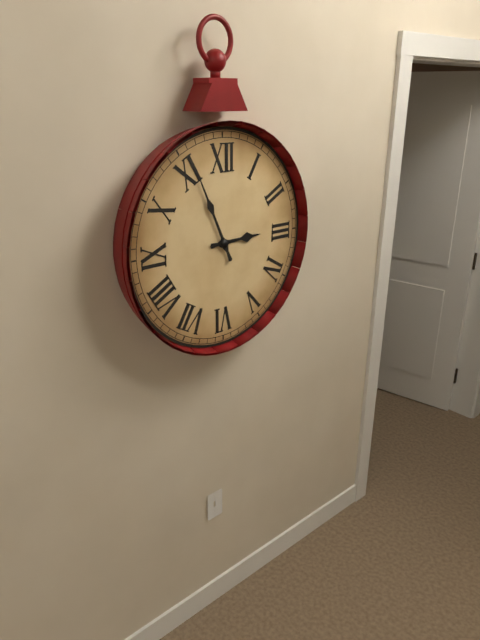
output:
2.56
